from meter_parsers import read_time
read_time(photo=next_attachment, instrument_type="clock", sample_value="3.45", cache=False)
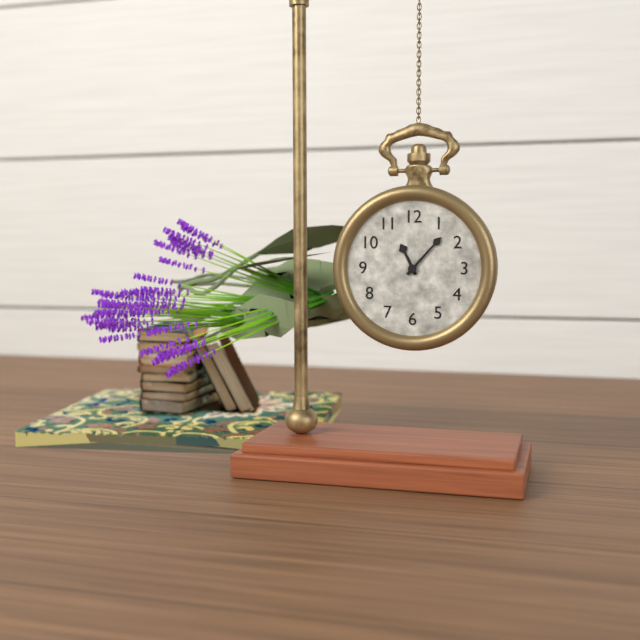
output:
11.07
